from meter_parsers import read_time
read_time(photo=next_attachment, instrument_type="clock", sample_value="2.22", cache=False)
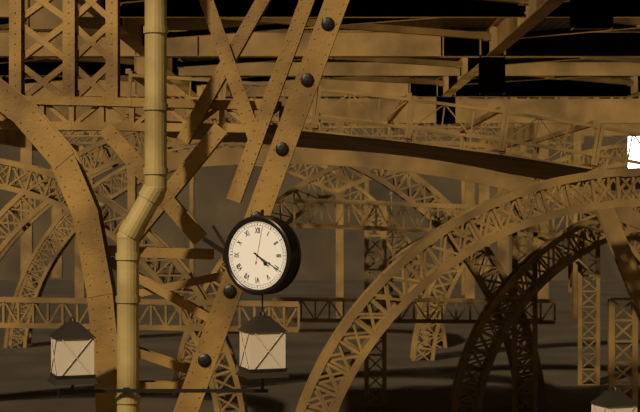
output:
4.20
